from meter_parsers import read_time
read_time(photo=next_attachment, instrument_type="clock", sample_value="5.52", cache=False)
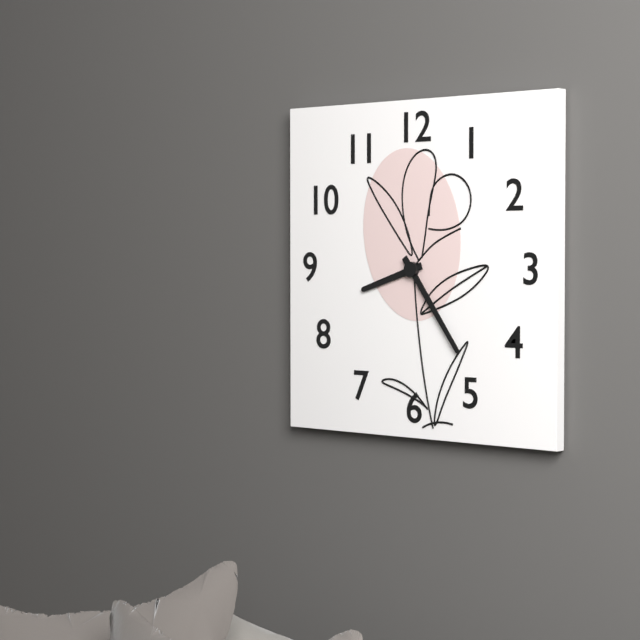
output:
8.24
